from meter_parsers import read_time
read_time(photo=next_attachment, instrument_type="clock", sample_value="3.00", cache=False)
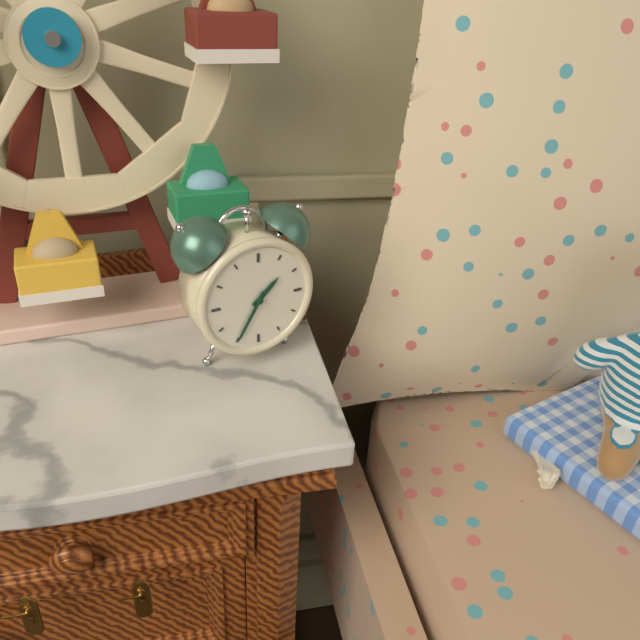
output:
1.35
